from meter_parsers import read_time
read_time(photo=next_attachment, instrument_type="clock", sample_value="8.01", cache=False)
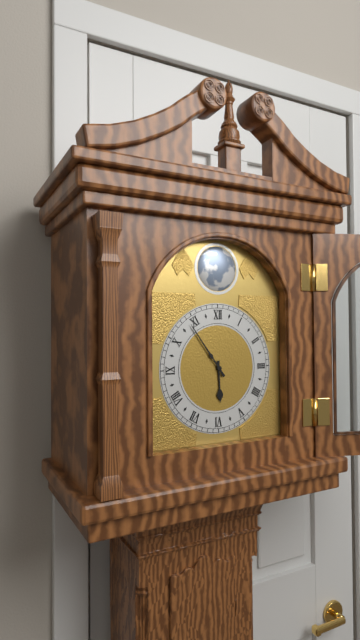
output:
5.54
